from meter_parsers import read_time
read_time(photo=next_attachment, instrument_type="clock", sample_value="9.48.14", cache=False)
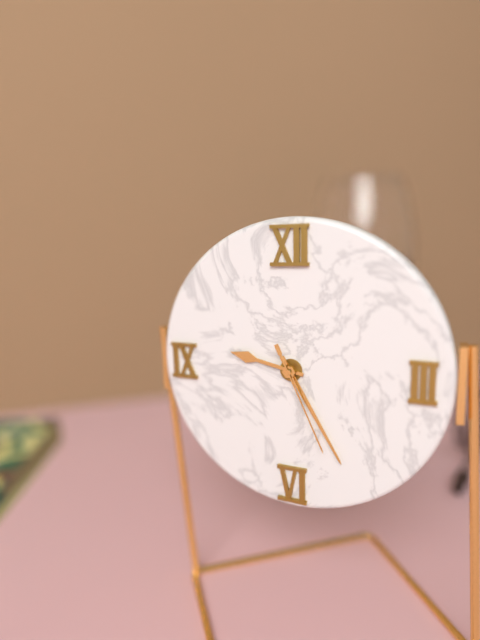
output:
9.25.26
